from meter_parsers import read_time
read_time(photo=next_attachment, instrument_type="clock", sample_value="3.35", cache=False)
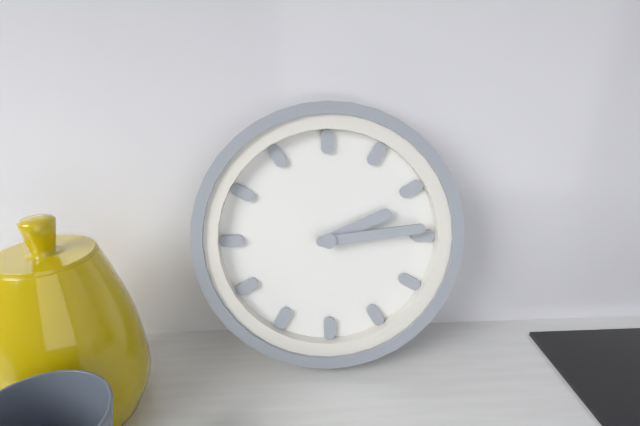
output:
2.14
